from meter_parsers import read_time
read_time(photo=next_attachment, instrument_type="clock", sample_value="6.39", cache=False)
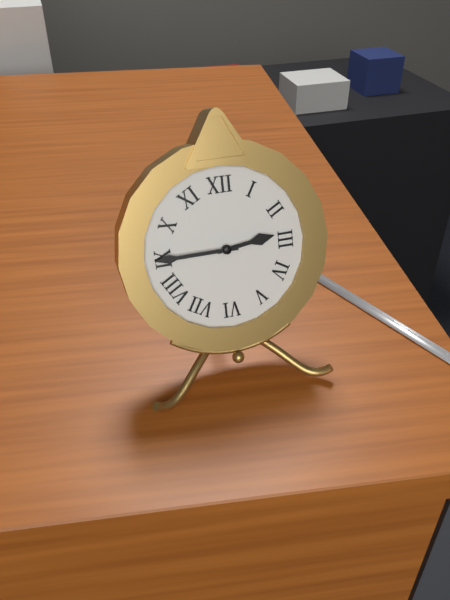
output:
2.45
